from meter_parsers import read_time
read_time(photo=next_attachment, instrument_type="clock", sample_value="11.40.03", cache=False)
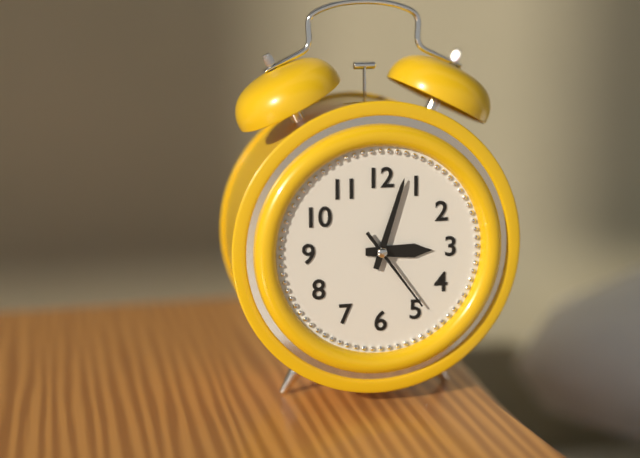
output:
3.03.24
